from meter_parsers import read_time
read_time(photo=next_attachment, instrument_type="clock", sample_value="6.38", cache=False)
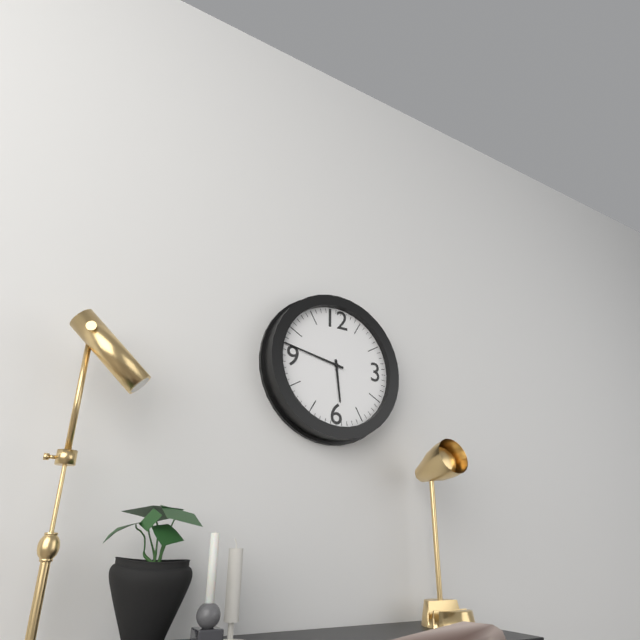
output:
5.47
